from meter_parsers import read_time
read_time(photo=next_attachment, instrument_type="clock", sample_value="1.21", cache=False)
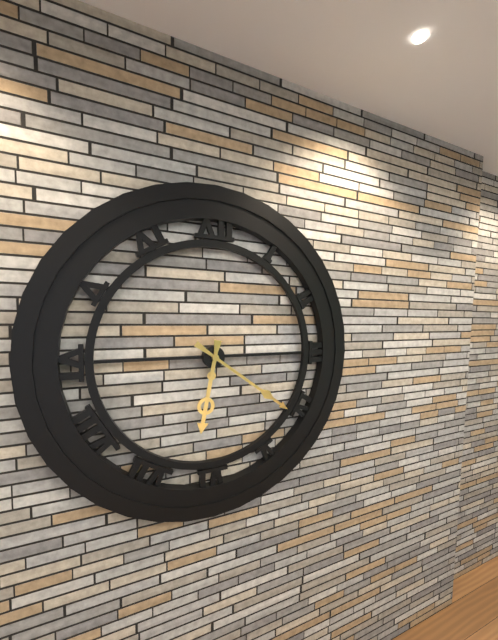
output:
6.21
